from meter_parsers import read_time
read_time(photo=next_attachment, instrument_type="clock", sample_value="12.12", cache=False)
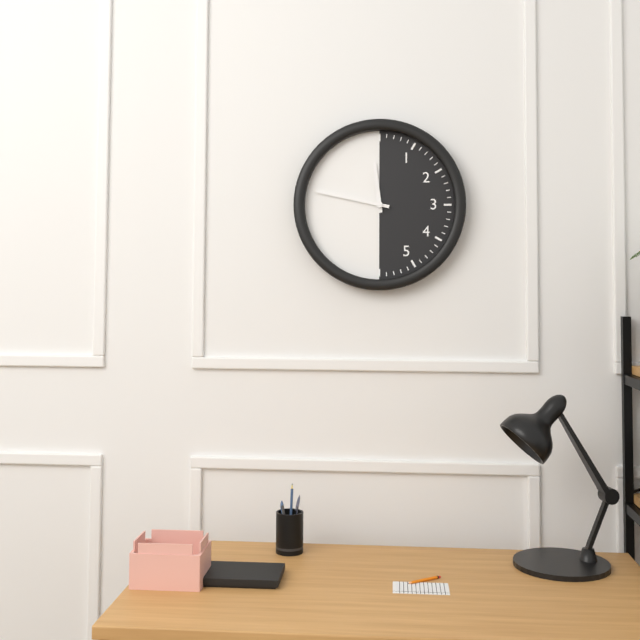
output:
11.47
